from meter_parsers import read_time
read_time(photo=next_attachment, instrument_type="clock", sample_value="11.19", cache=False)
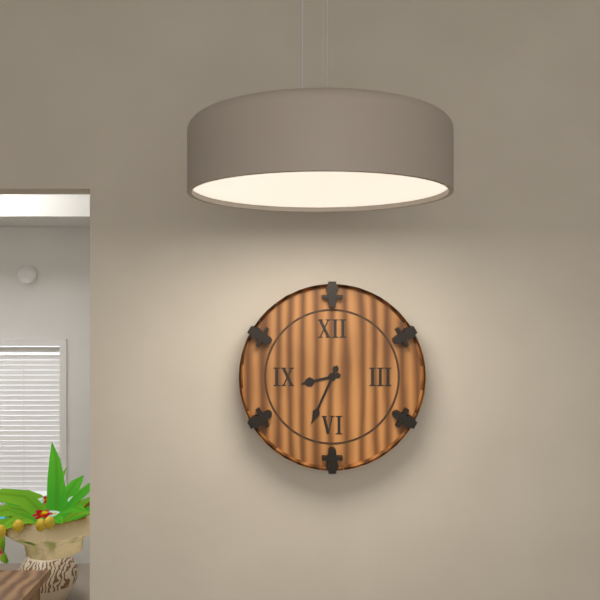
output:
8.34
